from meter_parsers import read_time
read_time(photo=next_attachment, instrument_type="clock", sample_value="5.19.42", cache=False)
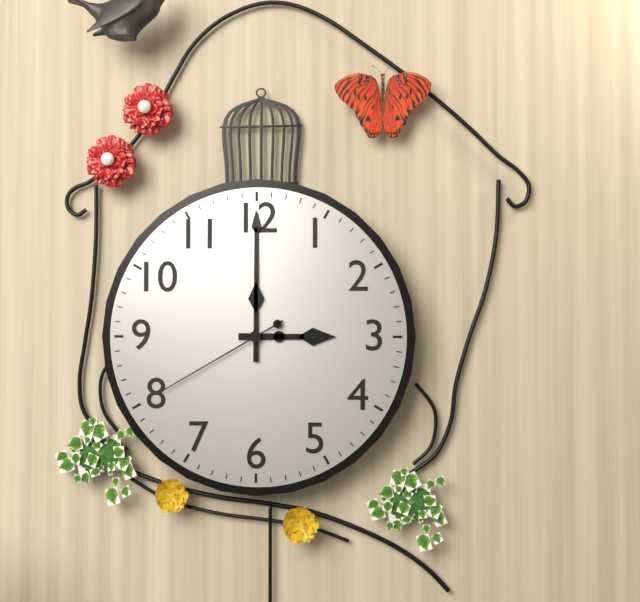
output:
3.00.40
